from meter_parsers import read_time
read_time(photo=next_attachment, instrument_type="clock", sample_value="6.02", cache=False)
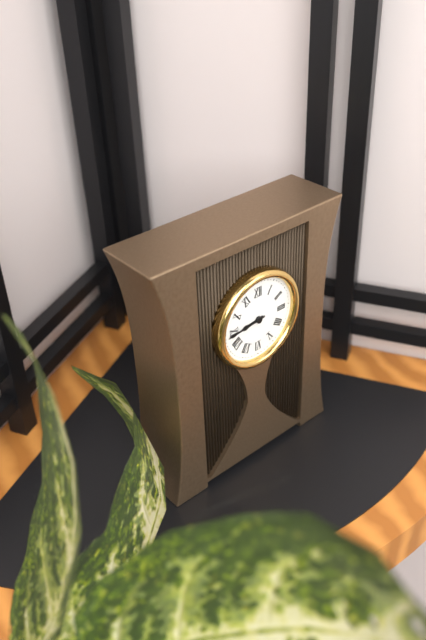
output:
8.44
